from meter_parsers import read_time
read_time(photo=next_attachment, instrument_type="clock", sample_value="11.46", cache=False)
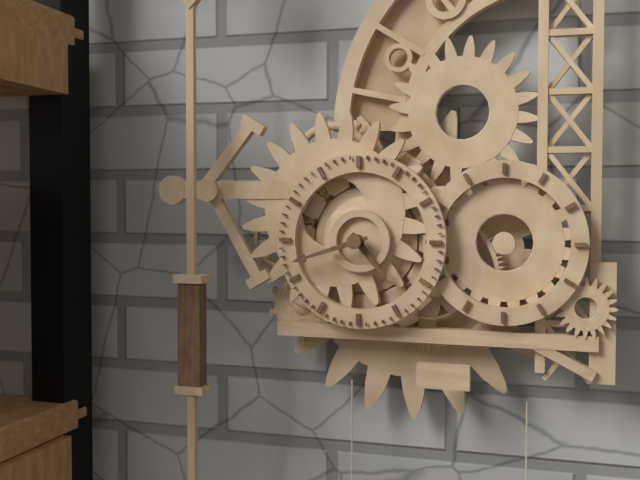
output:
4.42
